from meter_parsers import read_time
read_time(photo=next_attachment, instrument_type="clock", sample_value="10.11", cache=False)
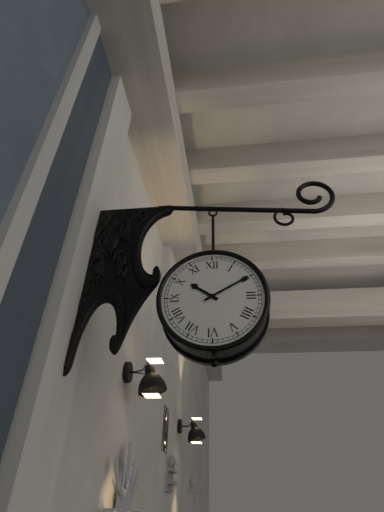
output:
10.10
